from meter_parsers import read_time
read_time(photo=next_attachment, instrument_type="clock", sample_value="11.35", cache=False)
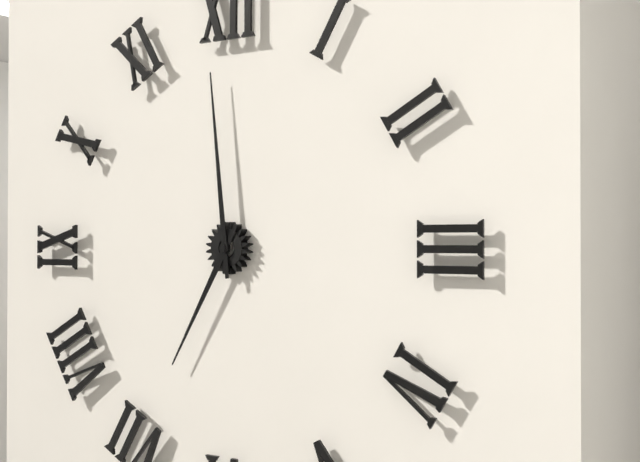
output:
6.59
